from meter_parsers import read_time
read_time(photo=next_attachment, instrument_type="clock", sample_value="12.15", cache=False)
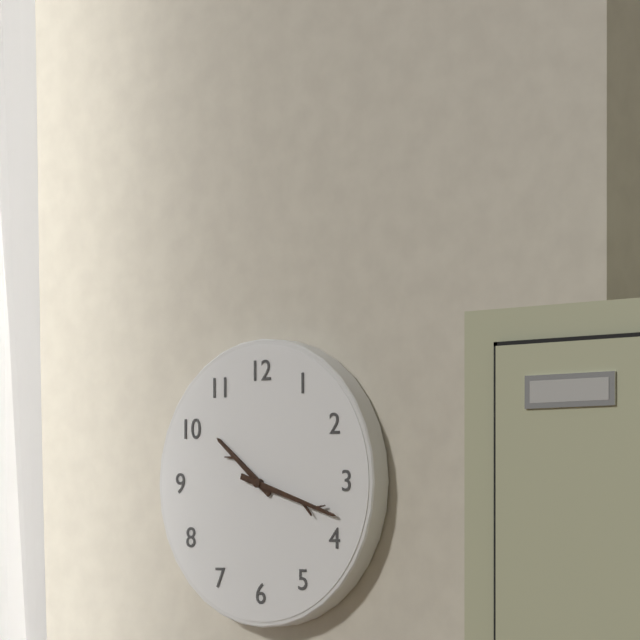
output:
10.18
